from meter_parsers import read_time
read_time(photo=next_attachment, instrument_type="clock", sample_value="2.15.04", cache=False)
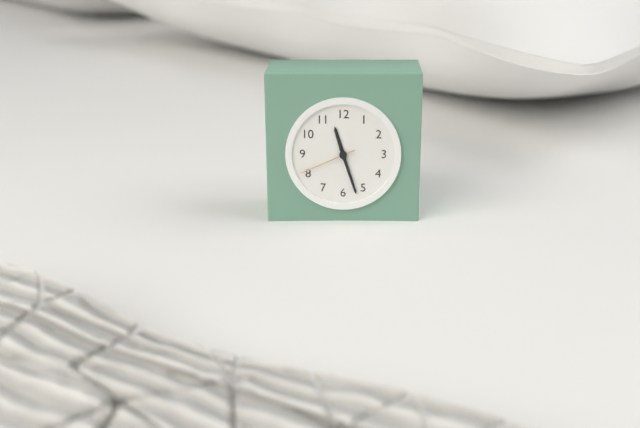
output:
11.27.41
